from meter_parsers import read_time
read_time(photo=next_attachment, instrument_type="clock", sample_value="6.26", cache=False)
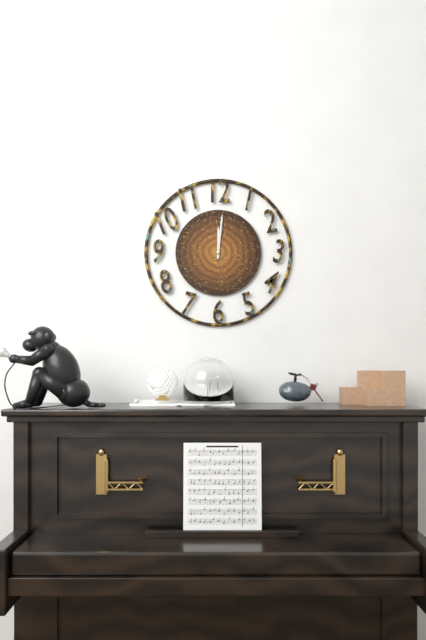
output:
12.01
